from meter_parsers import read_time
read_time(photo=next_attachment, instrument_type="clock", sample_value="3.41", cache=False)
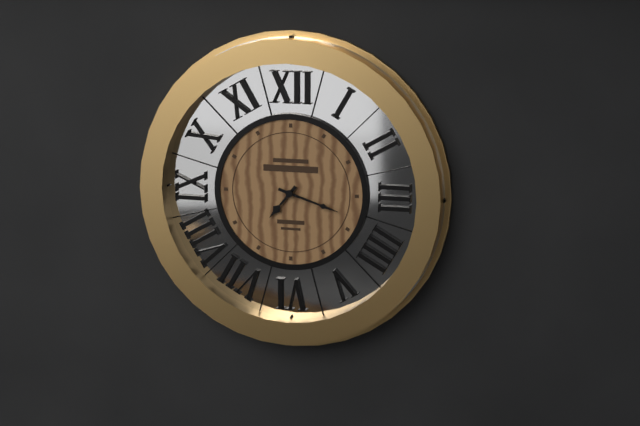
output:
7.18
